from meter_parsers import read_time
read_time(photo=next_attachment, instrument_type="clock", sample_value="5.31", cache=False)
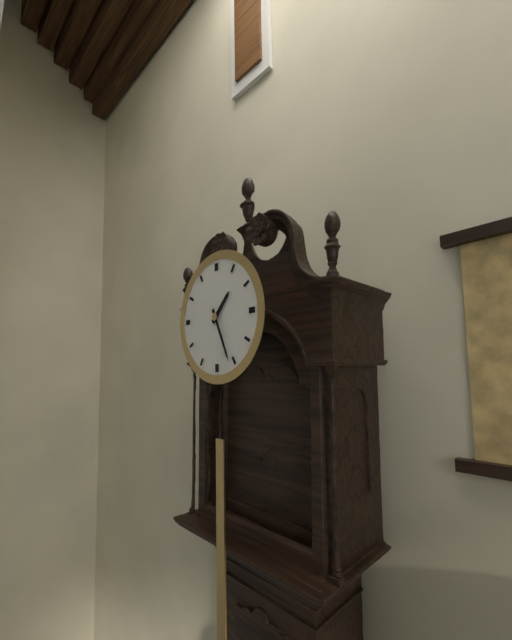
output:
1.26
